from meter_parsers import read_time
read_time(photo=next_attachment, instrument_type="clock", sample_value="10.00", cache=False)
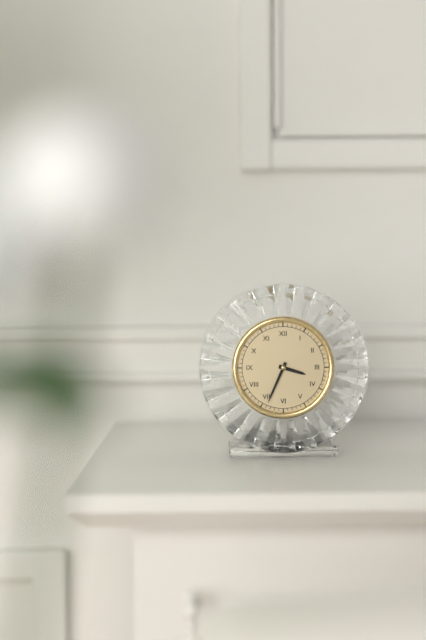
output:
3.34
